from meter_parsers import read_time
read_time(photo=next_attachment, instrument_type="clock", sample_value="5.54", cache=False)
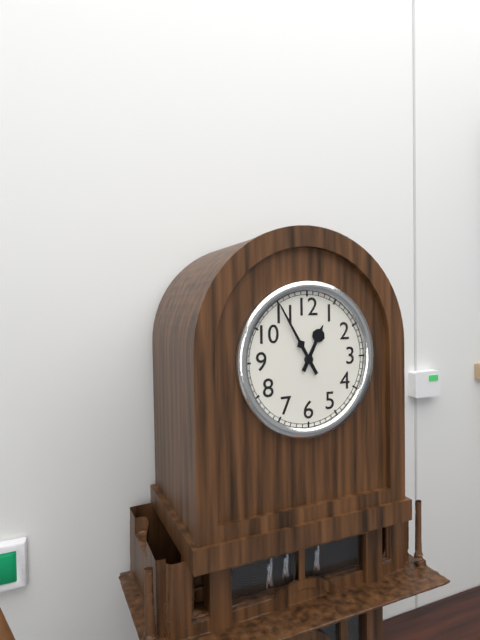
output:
12.55
